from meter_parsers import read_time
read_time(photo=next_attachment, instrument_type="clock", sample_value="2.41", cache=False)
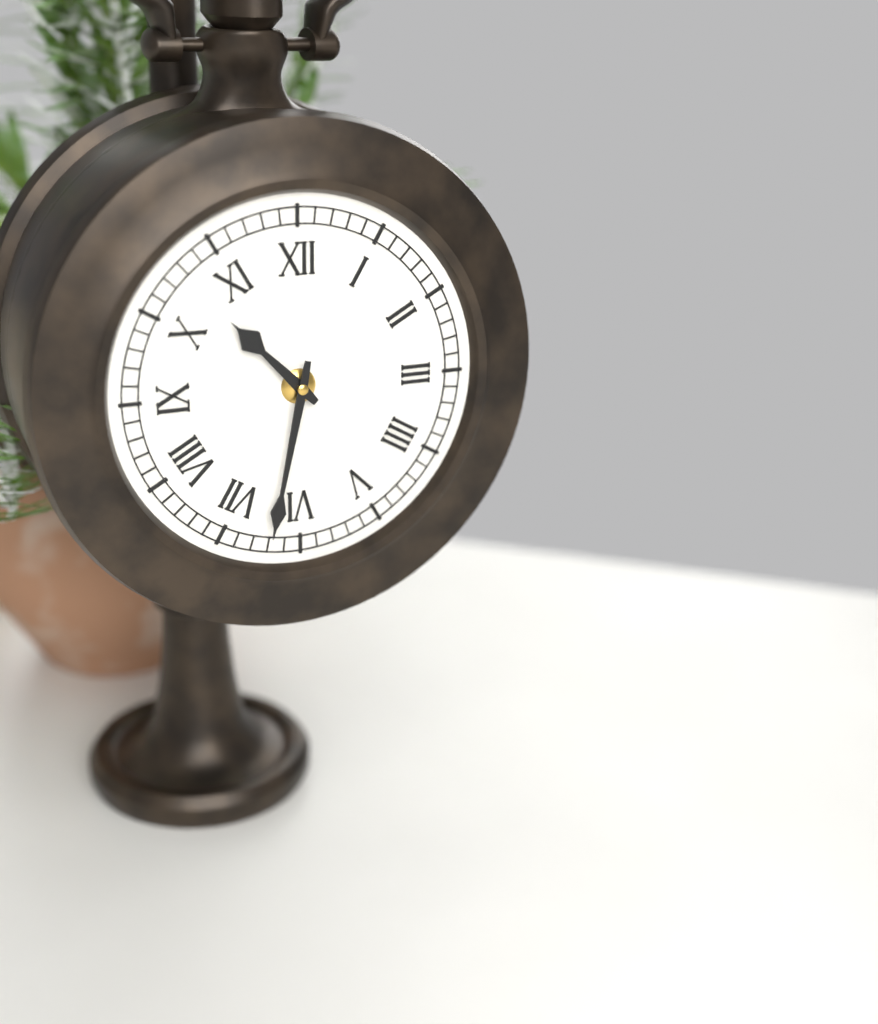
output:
10.32
